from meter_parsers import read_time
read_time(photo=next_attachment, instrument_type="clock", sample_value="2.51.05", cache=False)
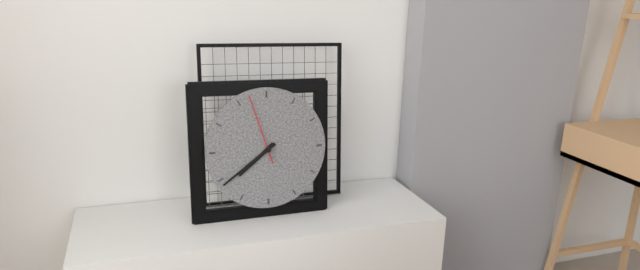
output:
7.39.57
